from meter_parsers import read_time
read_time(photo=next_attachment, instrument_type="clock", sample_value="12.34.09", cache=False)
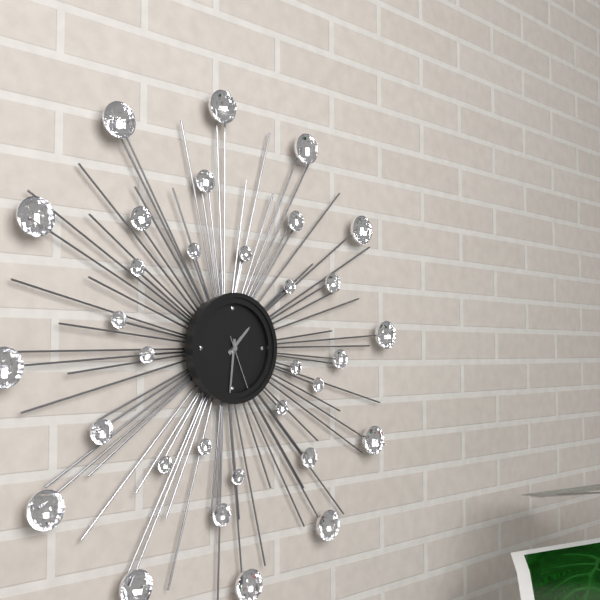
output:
1.31.26
